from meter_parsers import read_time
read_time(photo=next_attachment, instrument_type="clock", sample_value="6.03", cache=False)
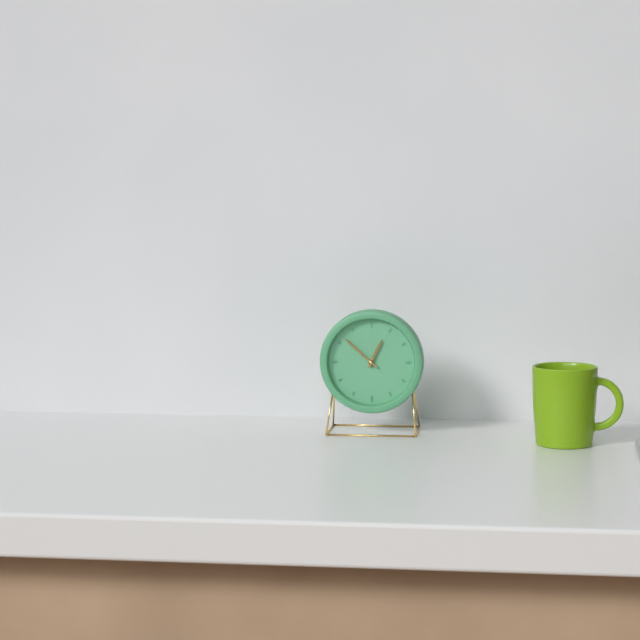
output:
12.52
